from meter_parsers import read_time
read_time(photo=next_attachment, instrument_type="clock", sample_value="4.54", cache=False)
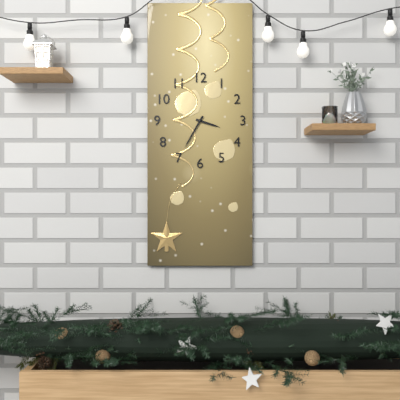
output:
3.35
